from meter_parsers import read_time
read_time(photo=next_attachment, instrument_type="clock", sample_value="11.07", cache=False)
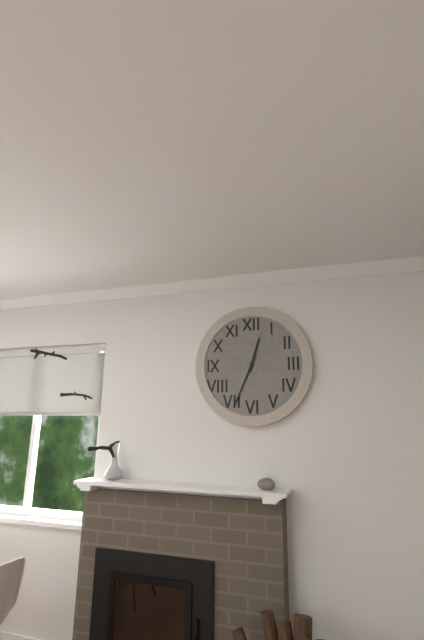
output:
12.34
